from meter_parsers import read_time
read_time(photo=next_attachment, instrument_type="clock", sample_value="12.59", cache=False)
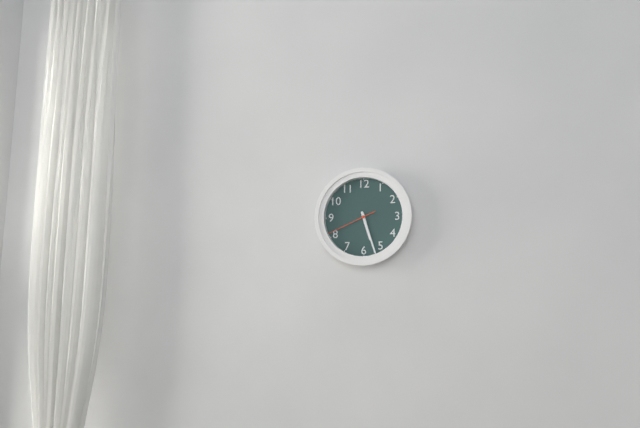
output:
5.27
